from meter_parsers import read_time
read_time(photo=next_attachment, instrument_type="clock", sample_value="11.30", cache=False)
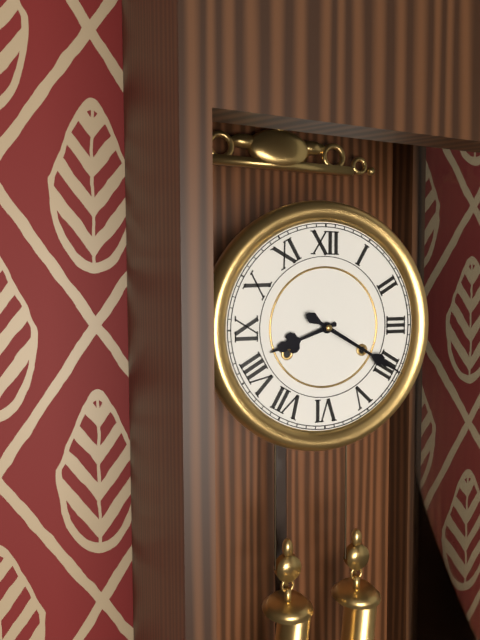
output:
8.20
